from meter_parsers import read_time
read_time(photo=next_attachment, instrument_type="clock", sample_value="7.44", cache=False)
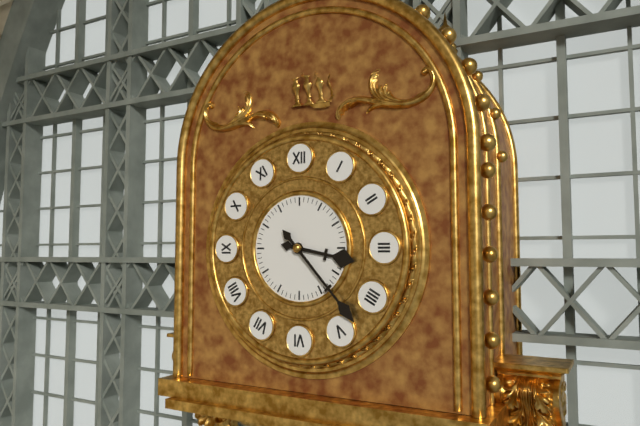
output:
3.23
